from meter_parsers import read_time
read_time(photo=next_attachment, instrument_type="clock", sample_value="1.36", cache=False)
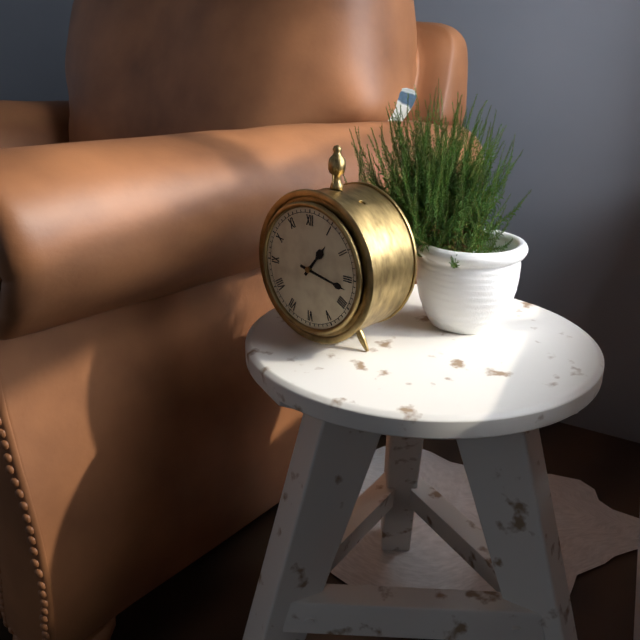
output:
1.17
